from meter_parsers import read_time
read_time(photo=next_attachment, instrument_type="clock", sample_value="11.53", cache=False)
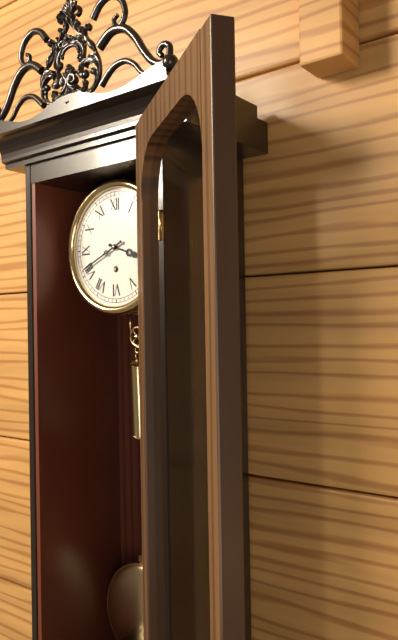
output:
3.41
